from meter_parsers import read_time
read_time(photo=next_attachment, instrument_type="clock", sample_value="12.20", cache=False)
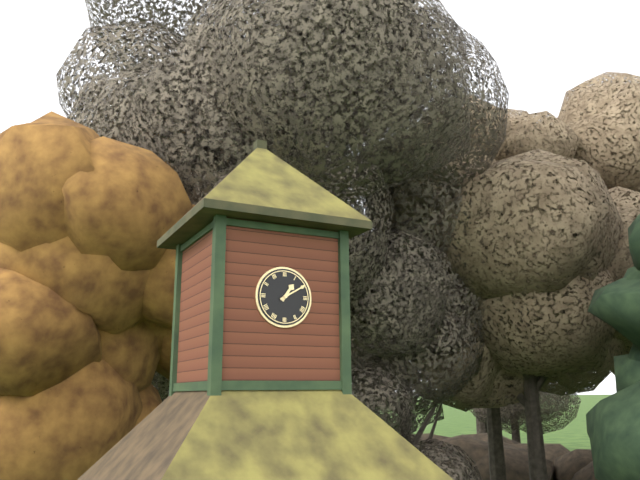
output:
1.10
